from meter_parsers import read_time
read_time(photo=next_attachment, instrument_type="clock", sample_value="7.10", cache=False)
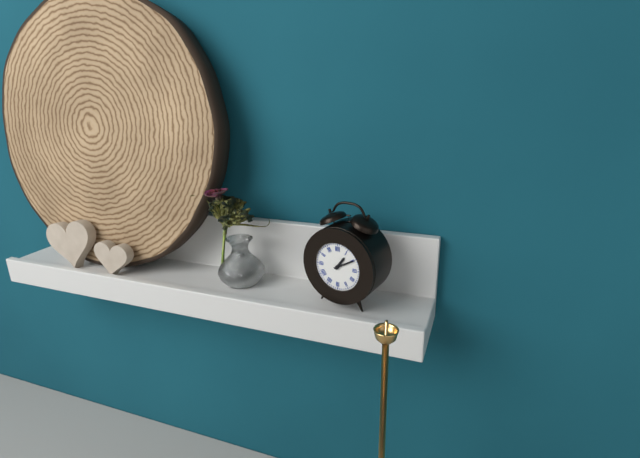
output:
1.10
